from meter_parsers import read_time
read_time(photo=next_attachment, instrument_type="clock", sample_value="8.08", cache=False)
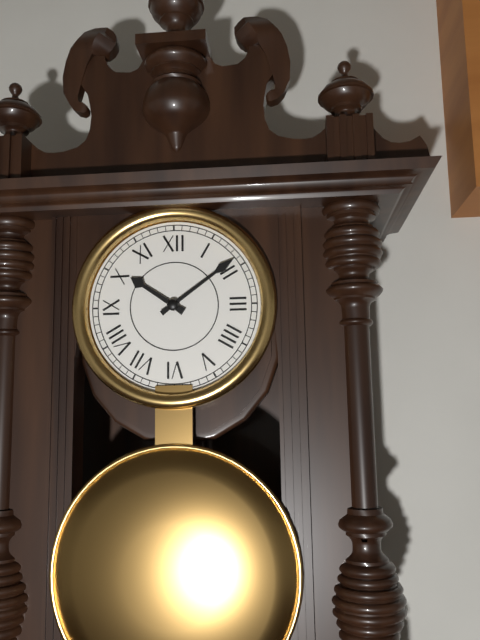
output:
10.09
